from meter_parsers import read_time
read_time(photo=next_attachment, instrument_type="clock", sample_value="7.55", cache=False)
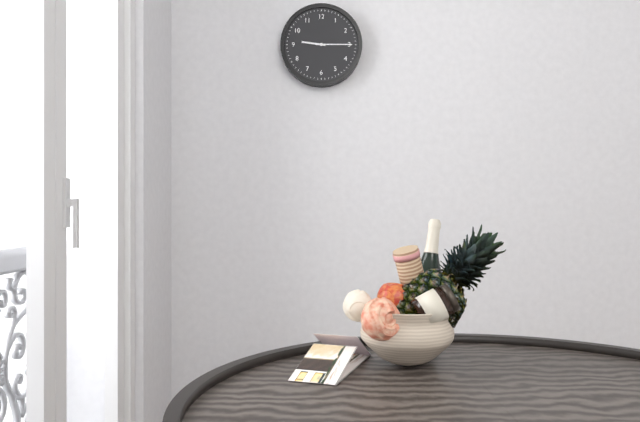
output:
9.15
